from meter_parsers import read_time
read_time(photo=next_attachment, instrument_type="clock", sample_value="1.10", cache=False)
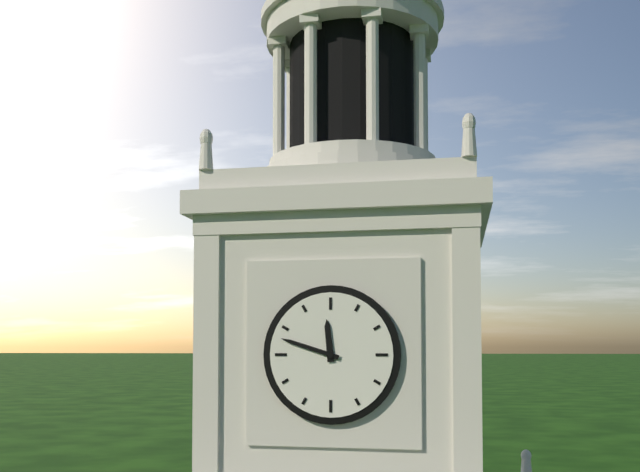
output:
11.48
